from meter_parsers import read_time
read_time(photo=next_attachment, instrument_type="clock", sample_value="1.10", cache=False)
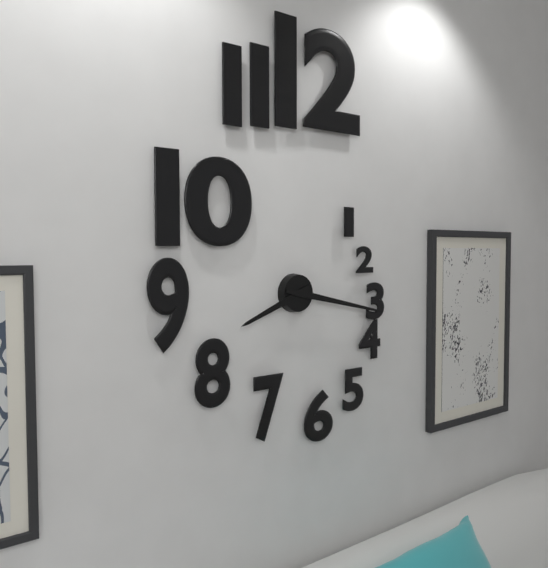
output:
8.17
